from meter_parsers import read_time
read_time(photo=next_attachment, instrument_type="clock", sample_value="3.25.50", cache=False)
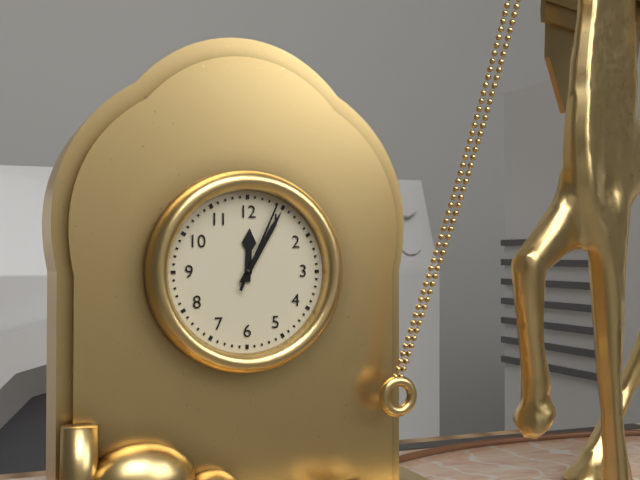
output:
12.05.04
